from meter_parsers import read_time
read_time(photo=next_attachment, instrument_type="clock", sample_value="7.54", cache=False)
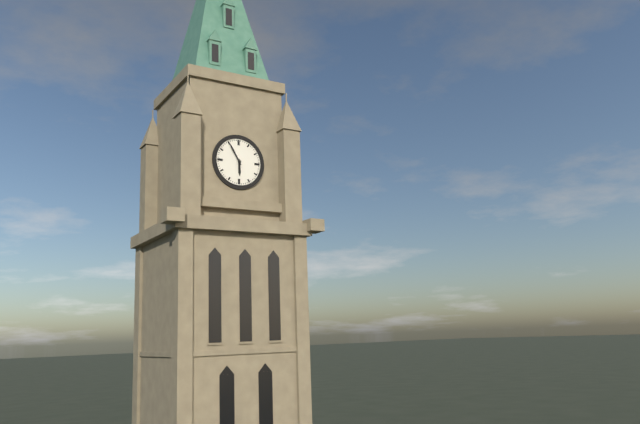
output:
5.55
